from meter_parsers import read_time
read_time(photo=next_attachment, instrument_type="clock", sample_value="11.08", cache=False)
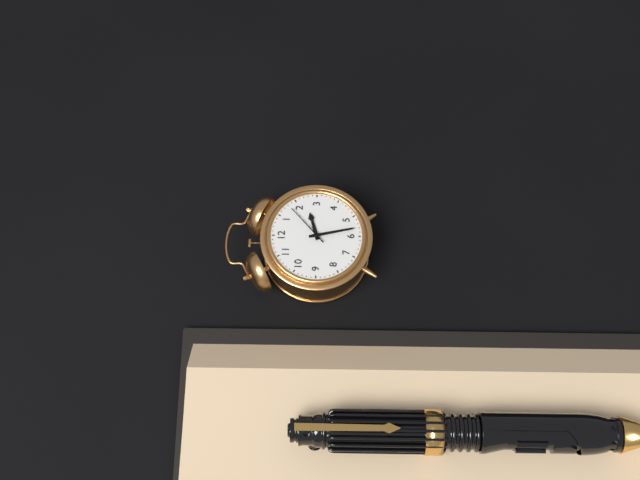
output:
2.28
